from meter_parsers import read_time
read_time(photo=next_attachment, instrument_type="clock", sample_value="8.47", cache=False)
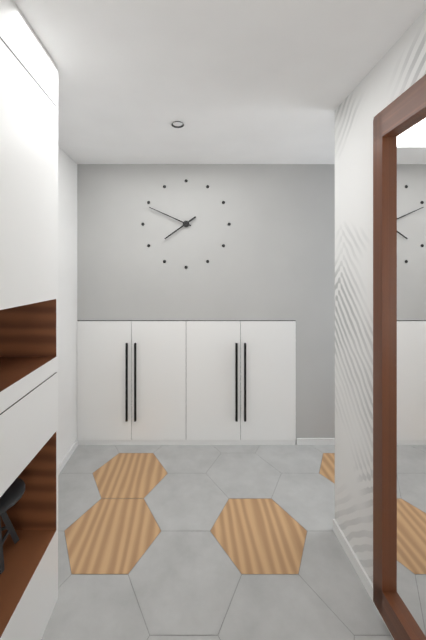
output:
7.49
